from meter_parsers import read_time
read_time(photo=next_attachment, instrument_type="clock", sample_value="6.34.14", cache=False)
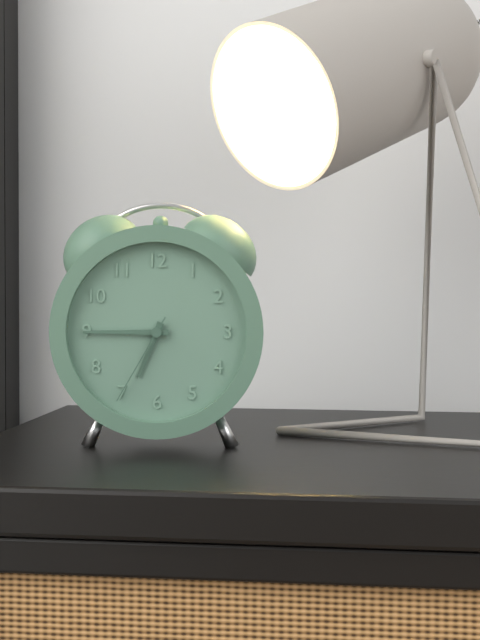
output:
6.45.35
